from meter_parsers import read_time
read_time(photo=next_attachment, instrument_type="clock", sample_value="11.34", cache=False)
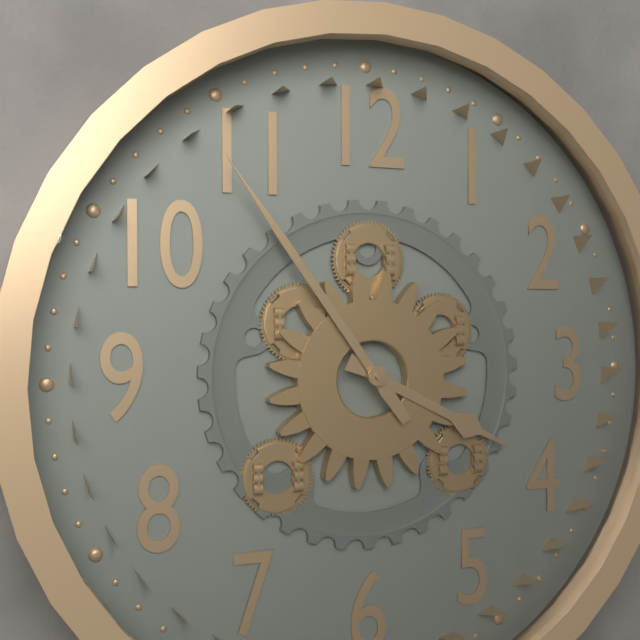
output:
3.54
